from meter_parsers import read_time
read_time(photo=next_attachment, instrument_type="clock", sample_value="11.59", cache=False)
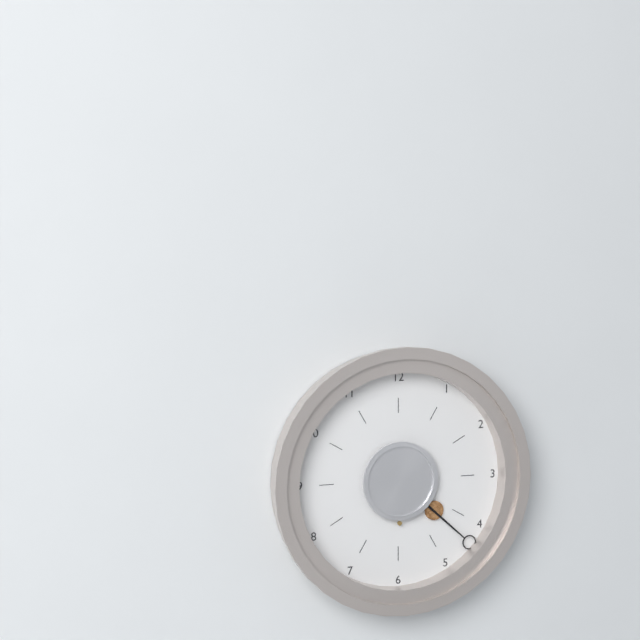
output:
4.22
